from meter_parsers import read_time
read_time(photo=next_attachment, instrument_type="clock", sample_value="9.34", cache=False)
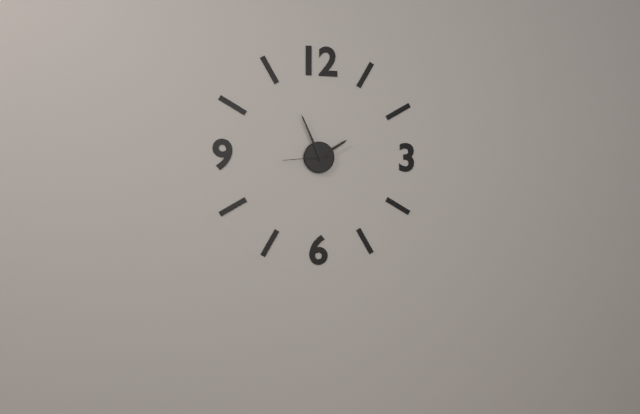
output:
1.56
